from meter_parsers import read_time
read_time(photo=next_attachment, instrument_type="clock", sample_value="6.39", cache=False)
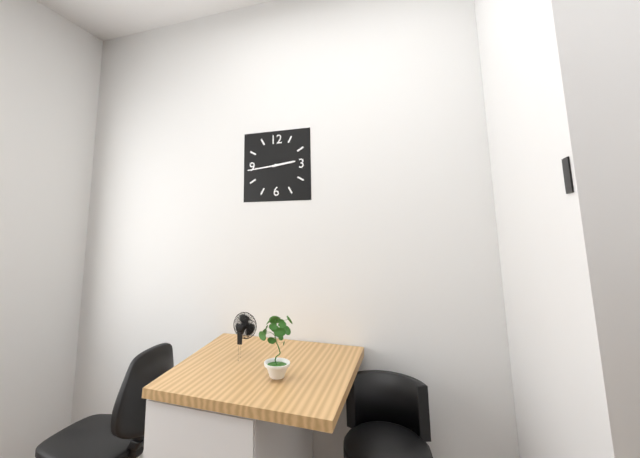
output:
2.44
